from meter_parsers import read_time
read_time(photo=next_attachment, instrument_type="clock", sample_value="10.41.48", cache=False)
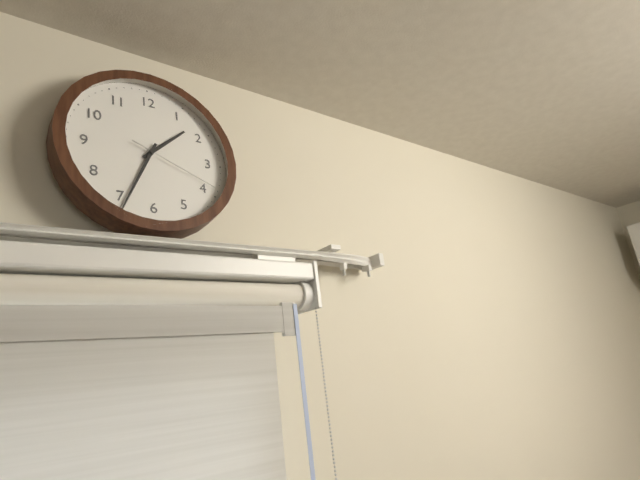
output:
1.34.19
